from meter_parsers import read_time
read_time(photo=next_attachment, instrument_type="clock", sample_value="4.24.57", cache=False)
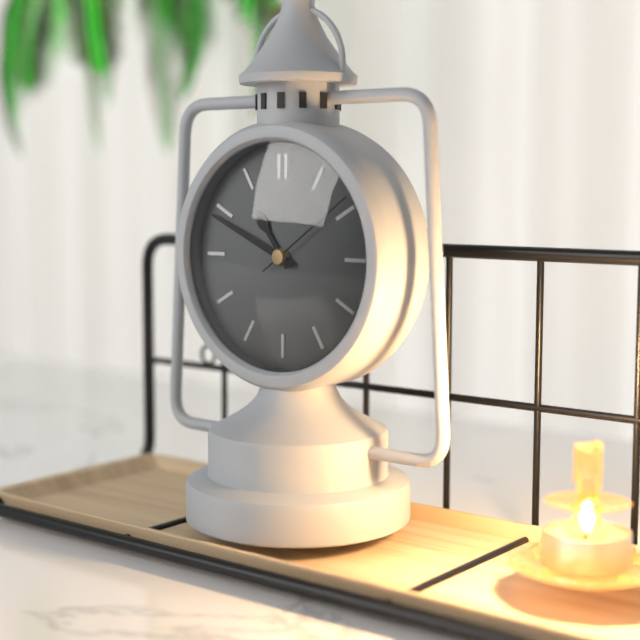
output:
10.49.09
